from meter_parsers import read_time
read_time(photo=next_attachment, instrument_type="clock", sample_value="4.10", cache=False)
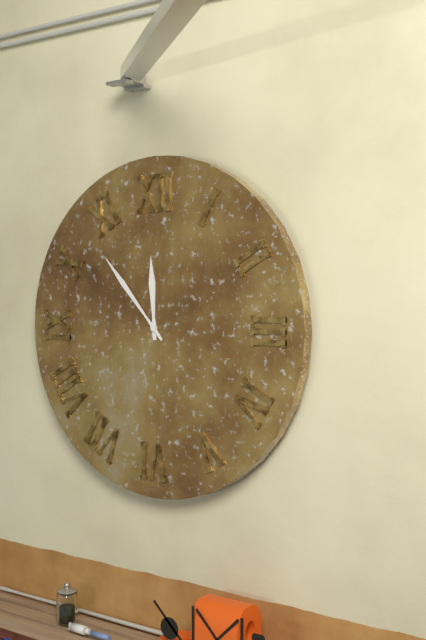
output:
11.53
